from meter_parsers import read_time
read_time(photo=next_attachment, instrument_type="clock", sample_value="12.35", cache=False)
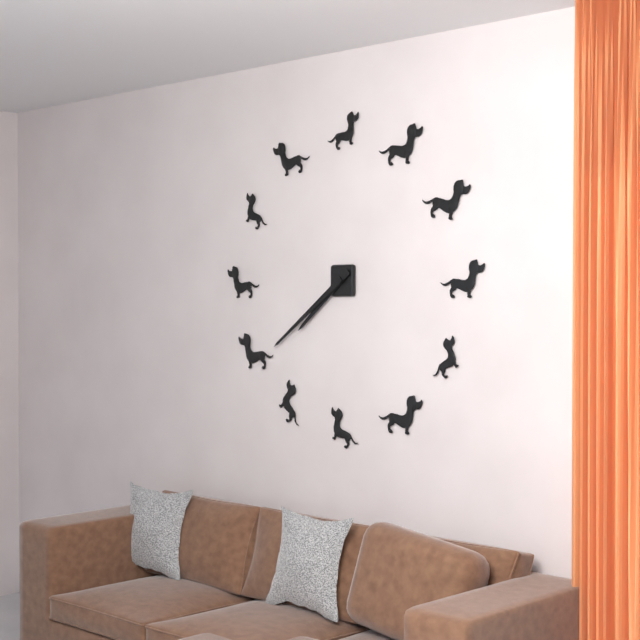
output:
7.39
